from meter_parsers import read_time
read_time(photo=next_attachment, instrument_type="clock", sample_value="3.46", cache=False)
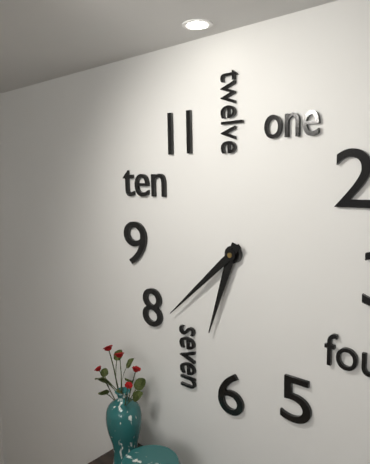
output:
6.38
